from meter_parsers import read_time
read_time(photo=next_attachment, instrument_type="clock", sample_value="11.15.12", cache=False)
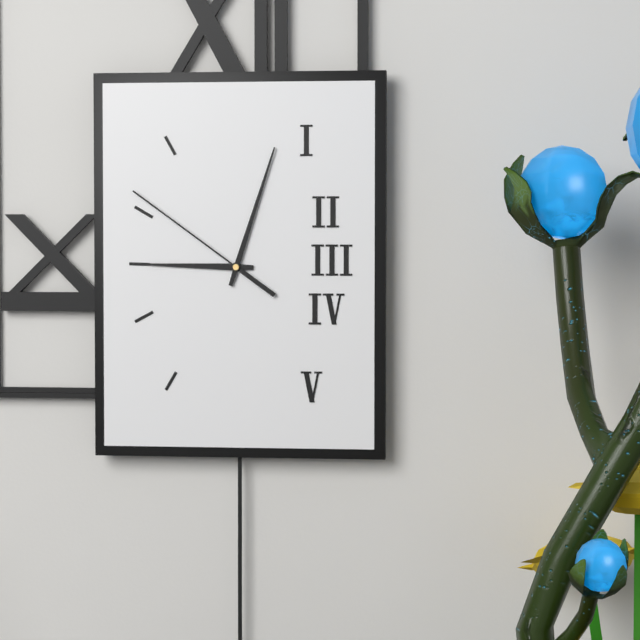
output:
9.03.51
